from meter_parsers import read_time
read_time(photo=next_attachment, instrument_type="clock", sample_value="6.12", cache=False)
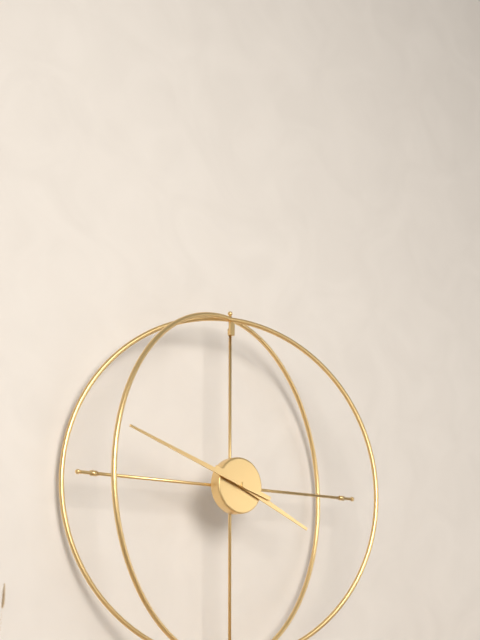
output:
3.48
